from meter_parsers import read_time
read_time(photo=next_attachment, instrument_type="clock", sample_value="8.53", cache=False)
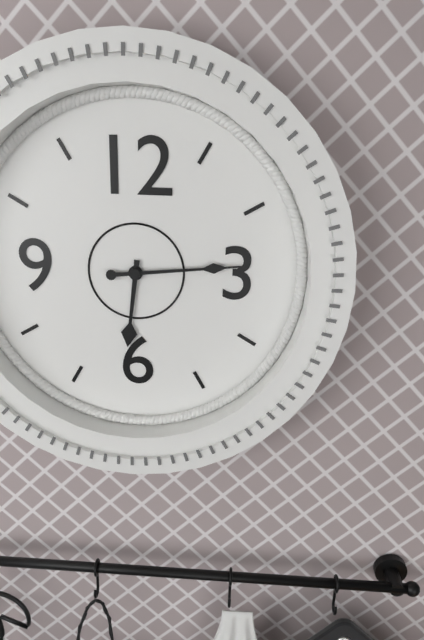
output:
6.14
